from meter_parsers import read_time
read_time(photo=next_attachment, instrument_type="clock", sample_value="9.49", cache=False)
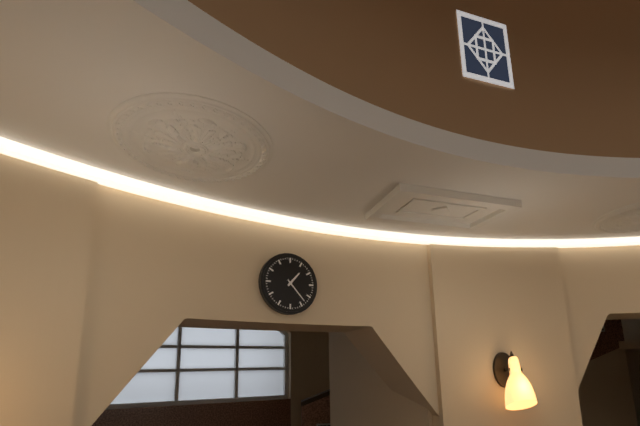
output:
1.23
